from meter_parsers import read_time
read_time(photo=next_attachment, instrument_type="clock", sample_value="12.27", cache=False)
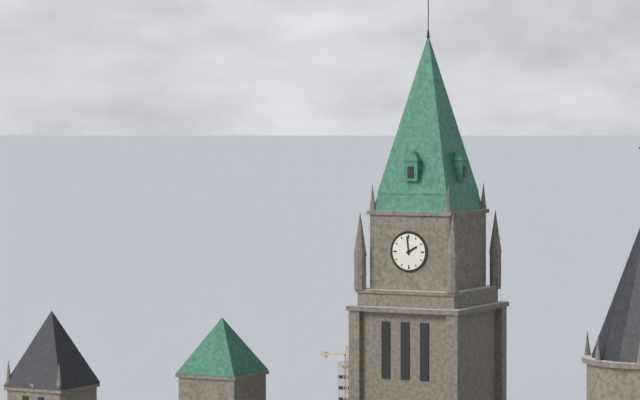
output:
1.59
